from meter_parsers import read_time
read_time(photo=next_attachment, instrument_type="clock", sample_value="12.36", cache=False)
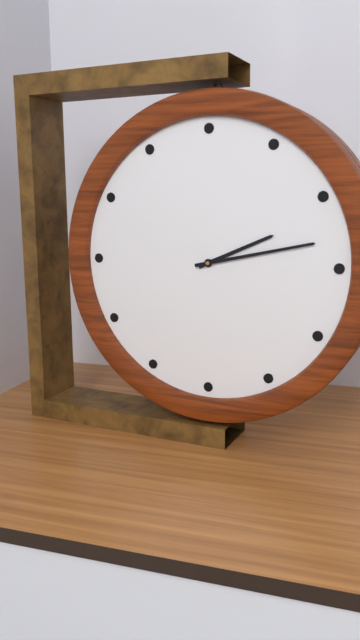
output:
2.13
